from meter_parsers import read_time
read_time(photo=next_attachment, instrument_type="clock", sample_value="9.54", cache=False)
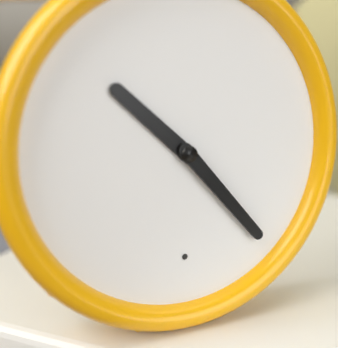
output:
10.23
